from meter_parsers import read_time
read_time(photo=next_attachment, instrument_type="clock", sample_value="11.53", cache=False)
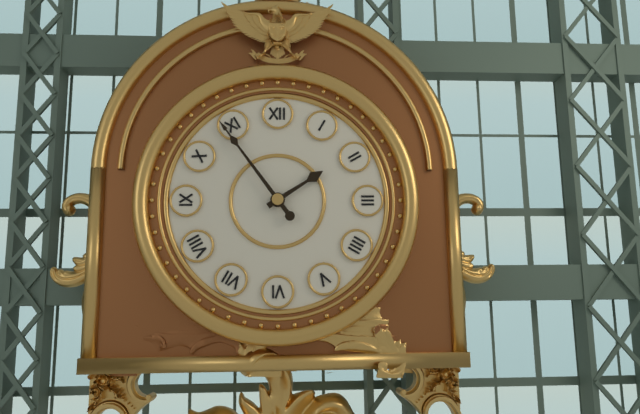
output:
1.54
